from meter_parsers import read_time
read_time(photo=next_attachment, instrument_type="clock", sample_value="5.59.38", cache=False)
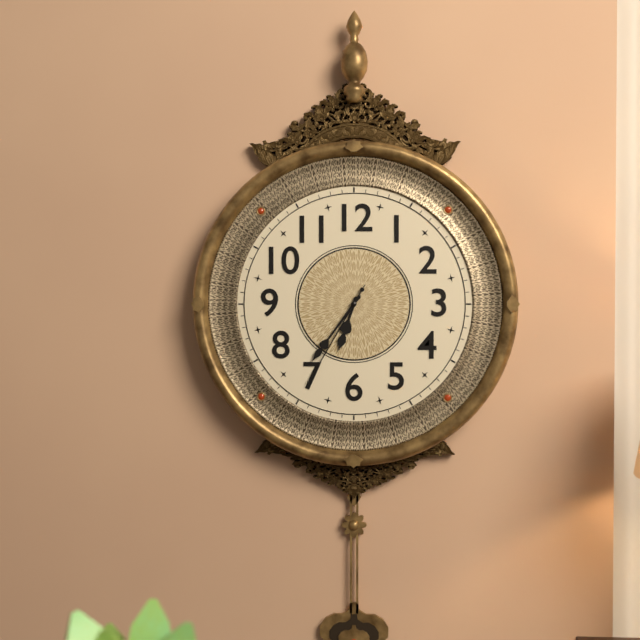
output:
6.36.35
